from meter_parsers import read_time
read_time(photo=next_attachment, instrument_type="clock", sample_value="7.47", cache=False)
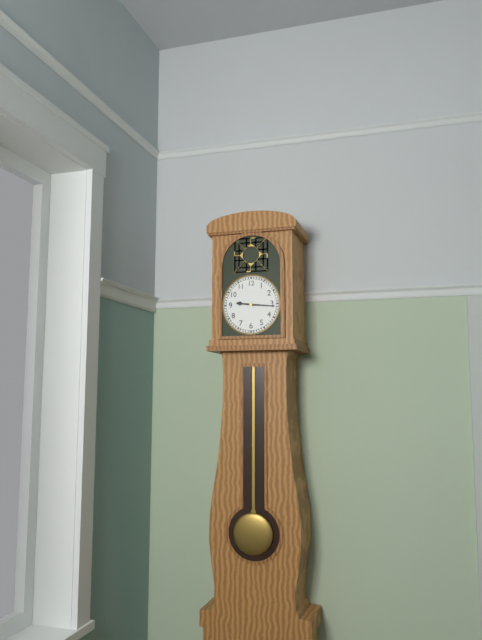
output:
9.16
